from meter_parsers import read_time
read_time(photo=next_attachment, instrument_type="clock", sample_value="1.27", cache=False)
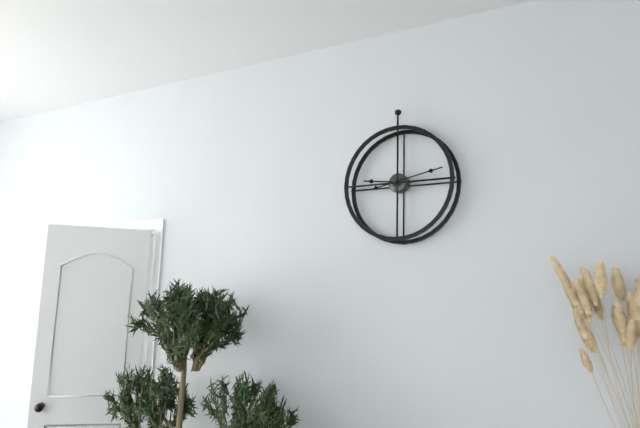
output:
9.13
